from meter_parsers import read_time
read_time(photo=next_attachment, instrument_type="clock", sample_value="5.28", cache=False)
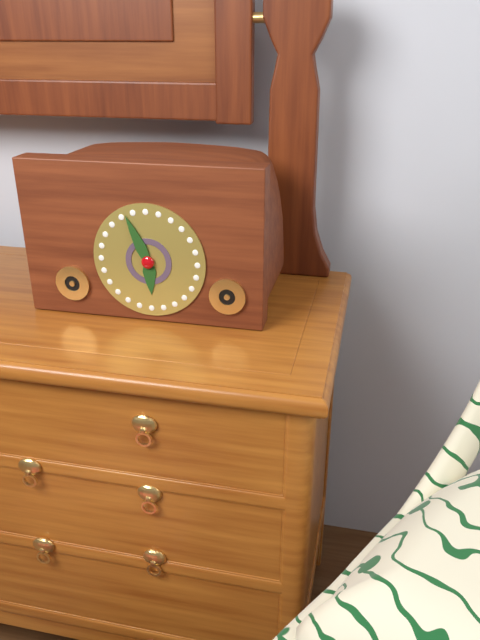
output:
5.56
